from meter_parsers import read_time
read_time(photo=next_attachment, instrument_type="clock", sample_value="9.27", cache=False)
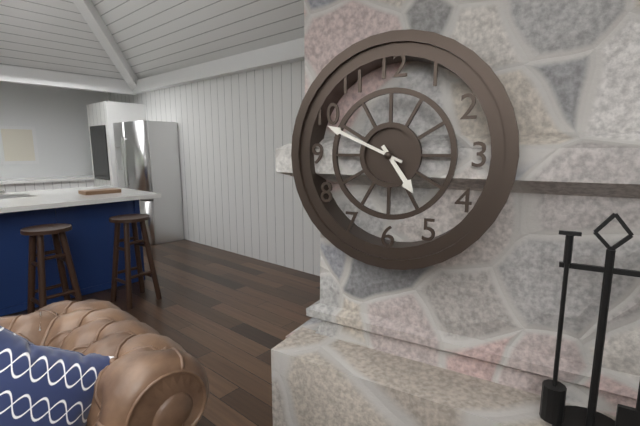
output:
4.49
